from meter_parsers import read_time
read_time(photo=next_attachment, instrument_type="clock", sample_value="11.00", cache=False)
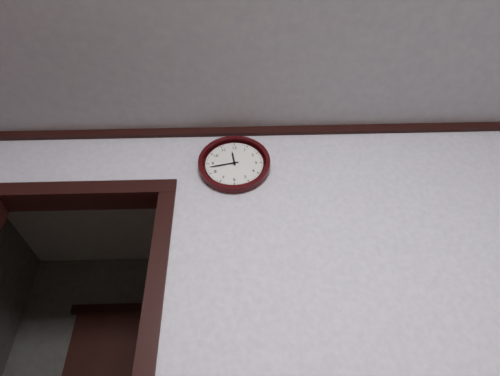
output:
11.43
